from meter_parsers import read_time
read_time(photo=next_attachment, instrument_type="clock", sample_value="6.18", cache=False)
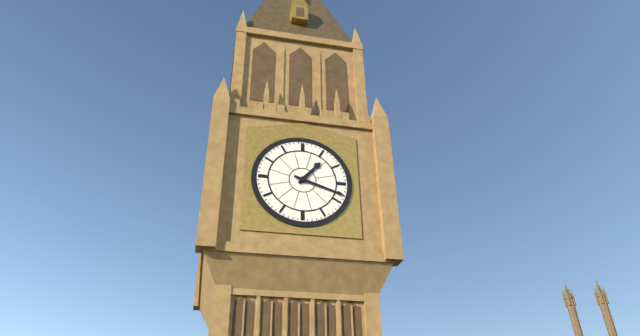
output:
1.18
